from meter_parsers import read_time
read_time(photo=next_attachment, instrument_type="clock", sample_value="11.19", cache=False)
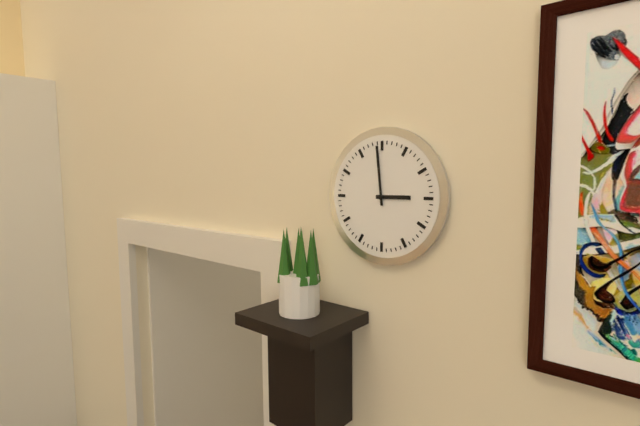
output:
2.59
